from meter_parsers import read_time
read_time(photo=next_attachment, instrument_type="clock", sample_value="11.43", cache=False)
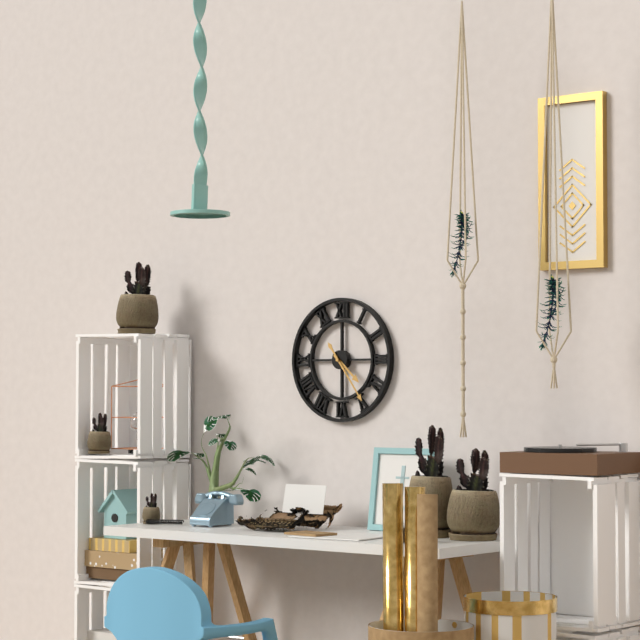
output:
4.24
